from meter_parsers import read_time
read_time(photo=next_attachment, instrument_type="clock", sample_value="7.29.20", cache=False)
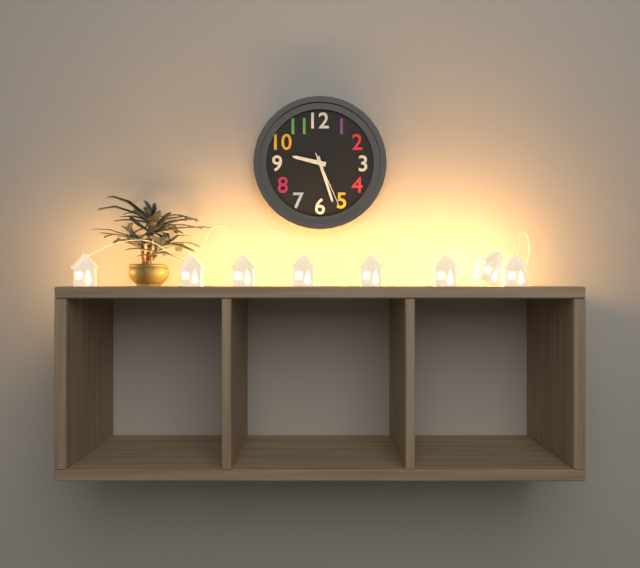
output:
9.27.26
